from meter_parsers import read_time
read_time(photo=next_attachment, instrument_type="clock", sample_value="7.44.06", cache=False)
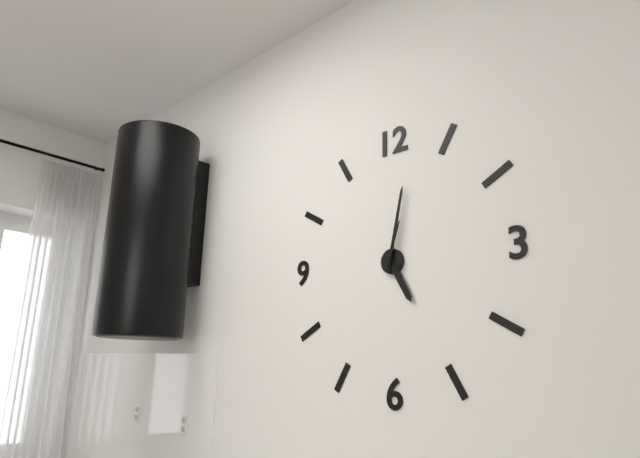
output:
5.02.03
